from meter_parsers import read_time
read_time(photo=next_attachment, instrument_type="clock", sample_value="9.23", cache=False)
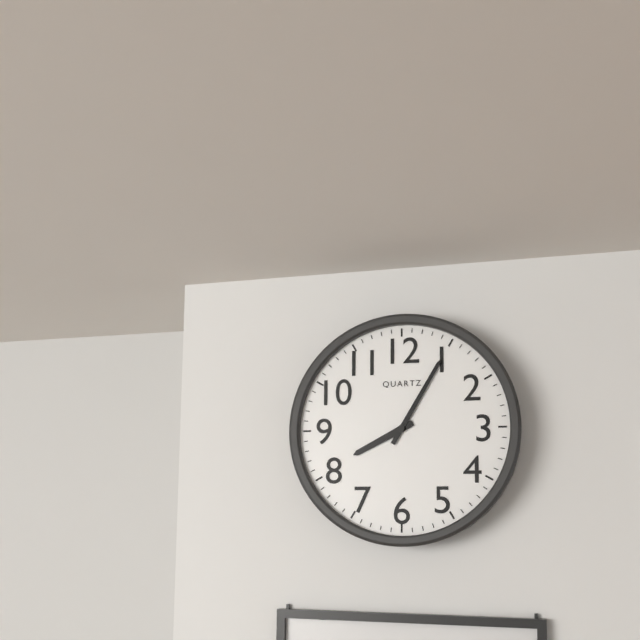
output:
8.05
